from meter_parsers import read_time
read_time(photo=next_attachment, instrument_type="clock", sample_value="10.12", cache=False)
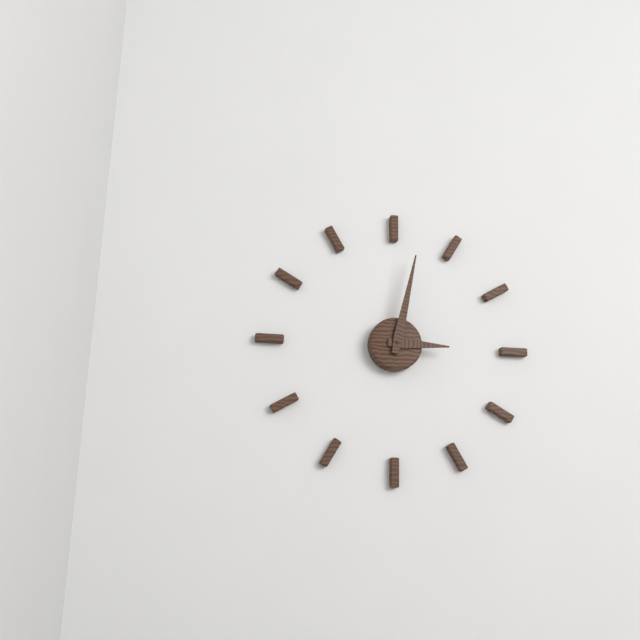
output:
3.02
